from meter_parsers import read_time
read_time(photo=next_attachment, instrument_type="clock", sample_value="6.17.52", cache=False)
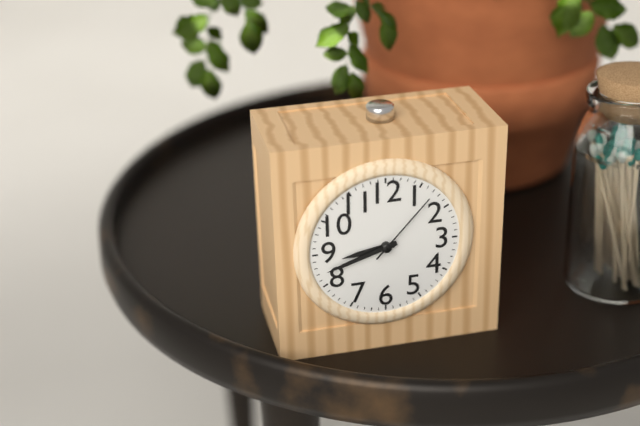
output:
8.42.07
